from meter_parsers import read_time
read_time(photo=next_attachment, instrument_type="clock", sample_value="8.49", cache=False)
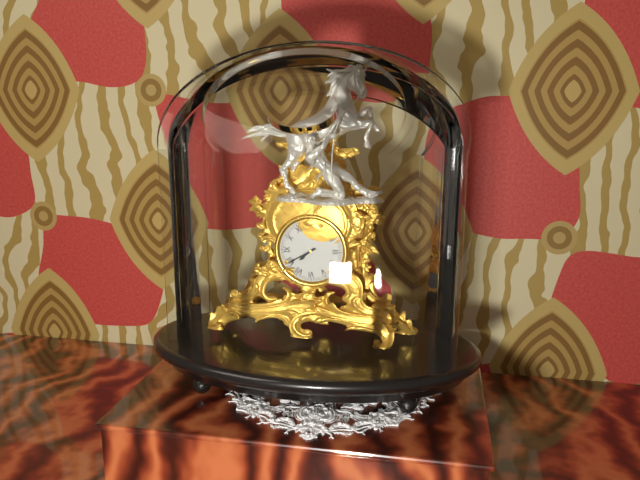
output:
7.40
